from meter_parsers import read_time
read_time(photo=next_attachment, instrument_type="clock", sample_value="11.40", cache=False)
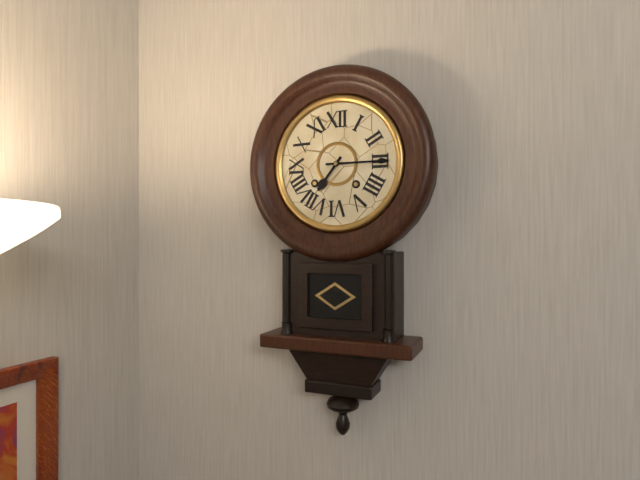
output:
7.15
